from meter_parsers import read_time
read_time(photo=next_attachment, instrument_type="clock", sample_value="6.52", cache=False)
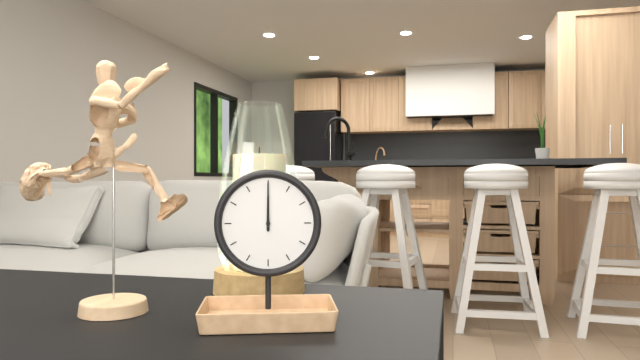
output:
12.00
